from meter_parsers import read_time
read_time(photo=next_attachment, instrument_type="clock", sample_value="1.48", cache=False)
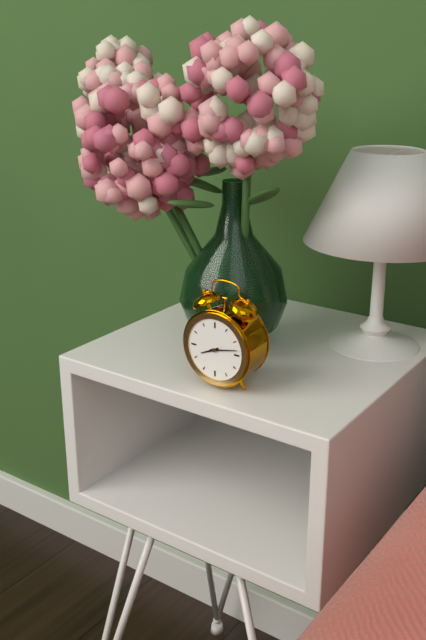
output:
8.13
